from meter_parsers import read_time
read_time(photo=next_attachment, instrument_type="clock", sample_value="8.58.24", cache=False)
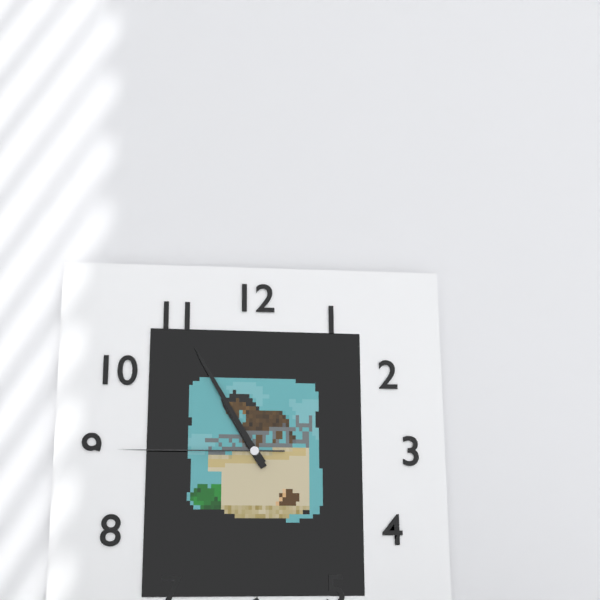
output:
10.55.45
